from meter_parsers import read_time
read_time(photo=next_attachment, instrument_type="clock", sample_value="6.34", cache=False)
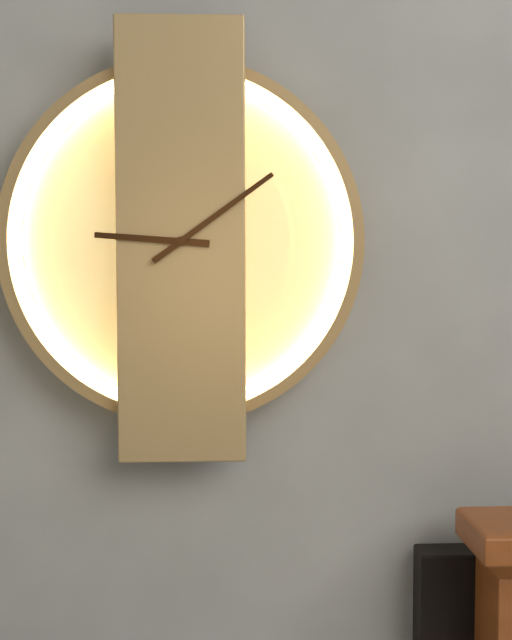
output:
9.09
